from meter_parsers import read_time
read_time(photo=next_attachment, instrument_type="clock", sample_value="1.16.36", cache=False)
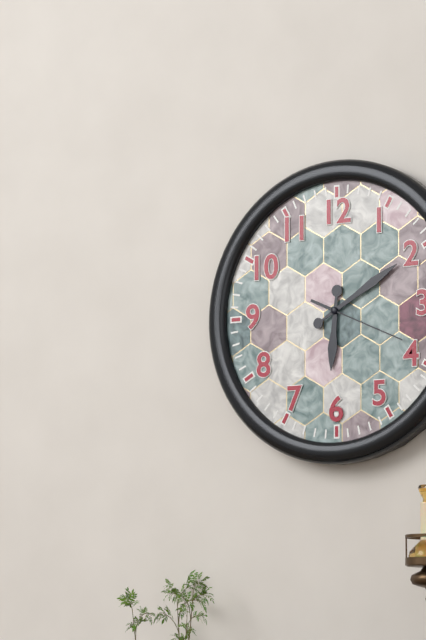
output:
6.10.19
